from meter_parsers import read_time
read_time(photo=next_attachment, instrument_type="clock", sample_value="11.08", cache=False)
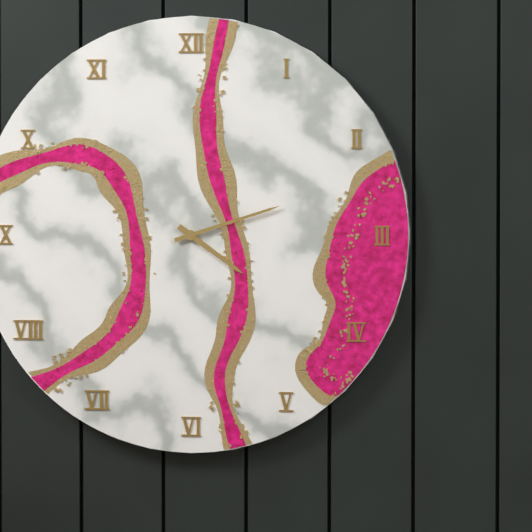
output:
4.12
